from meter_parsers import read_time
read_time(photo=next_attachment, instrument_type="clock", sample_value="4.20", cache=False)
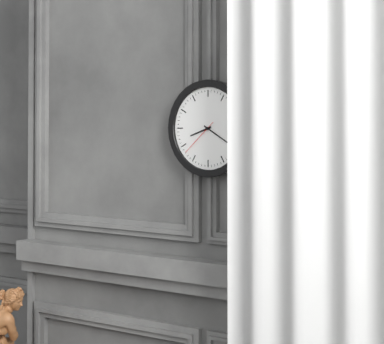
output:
8.20
